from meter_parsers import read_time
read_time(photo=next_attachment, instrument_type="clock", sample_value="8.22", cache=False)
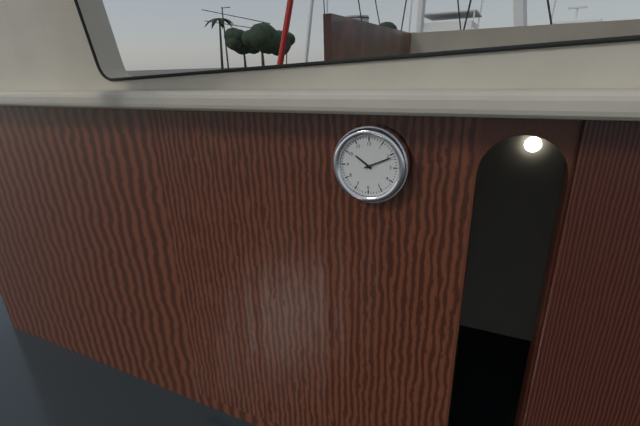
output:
10.11
